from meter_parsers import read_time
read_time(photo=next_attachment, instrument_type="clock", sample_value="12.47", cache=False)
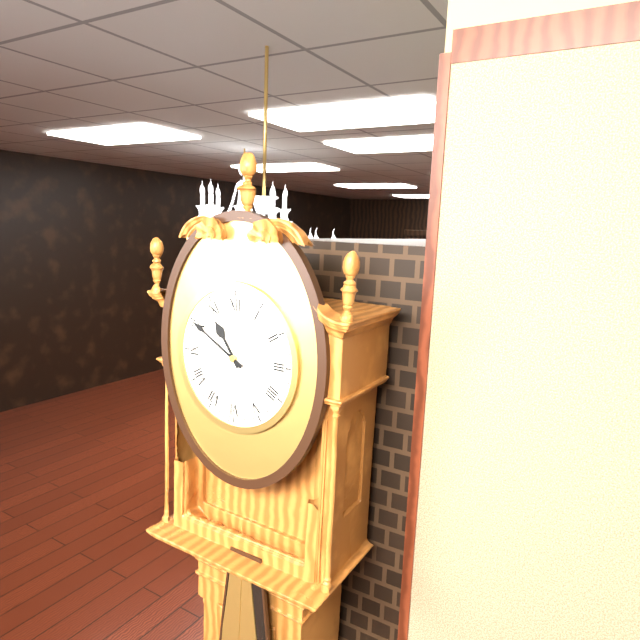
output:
10.50
